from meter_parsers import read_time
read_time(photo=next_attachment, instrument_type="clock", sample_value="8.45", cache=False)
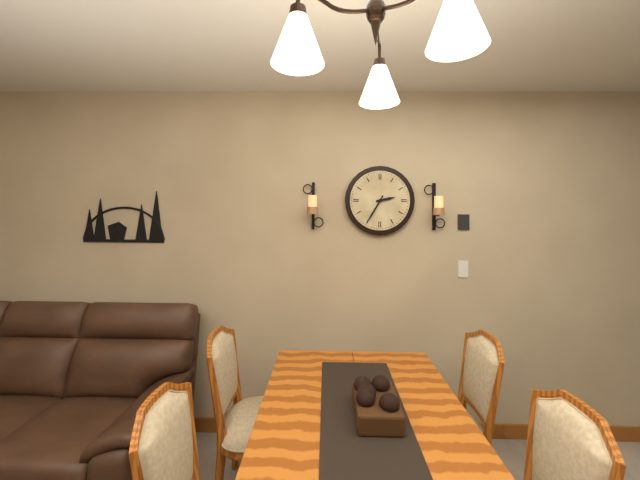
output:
2.35
